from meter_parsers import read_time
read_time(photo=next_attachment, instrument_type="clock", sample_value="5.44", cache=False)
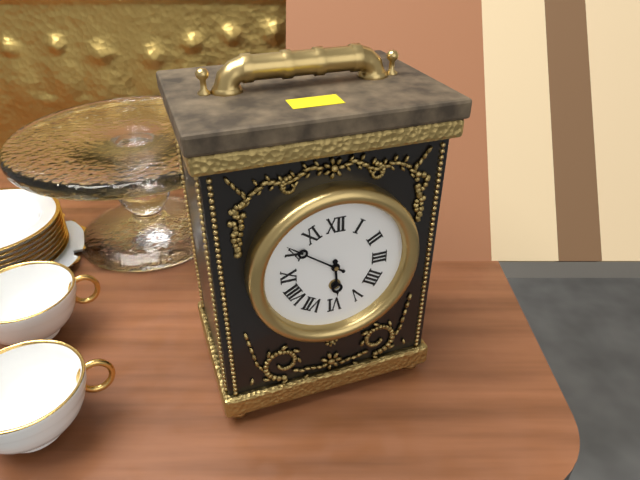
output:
5.51
